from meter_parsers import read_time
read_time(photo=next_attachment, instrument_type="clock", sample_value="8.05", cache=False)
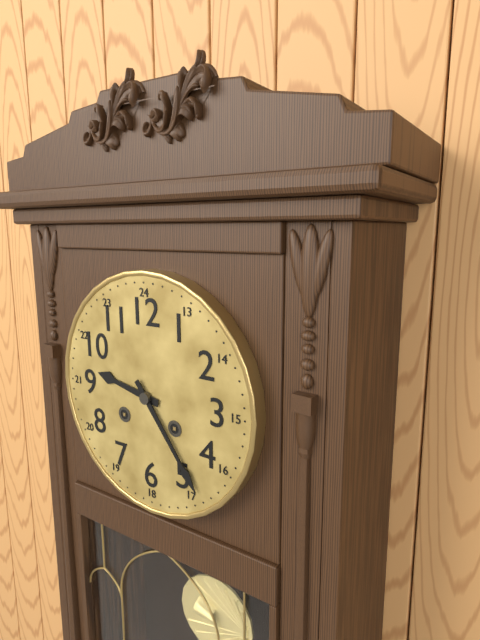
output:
9.24
